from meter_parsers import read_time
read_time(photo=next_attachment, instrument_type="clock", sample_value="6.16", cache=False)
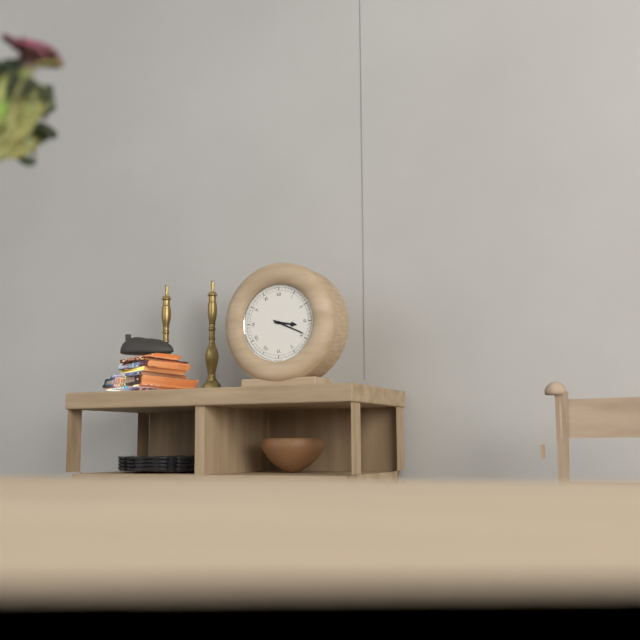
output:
3.19
